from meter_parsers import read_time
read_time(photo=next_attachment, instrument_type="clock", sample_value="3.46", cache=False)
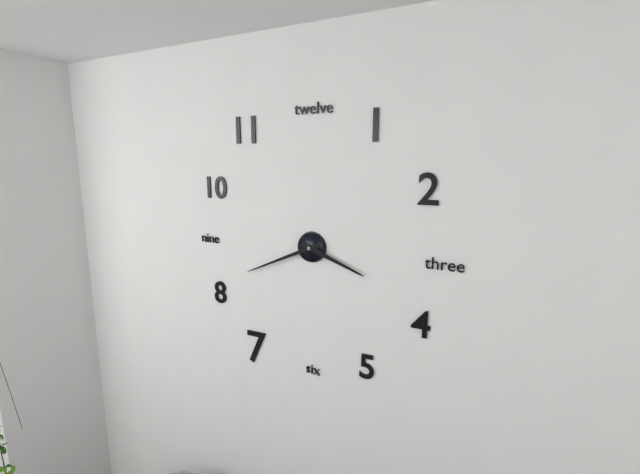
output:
3.41
